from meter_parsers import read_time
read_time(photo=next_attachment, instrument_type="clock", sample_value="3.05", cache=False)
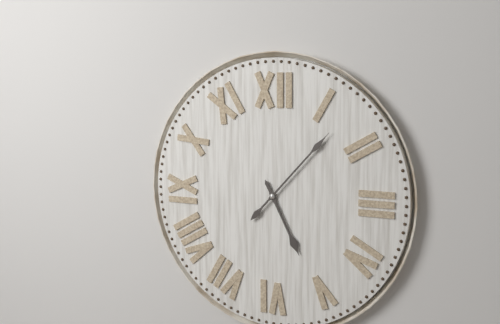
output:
5.07
